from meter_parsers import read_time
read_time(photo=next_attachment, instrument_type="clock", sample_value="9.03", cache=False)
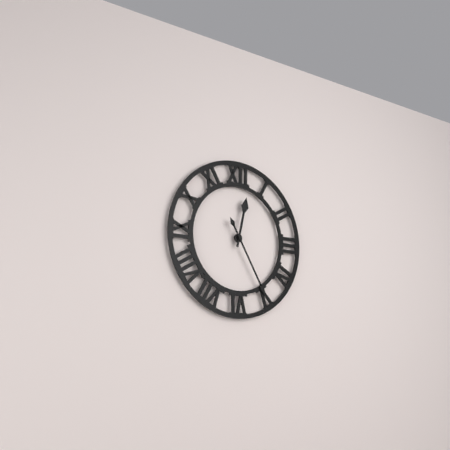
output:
12.25
